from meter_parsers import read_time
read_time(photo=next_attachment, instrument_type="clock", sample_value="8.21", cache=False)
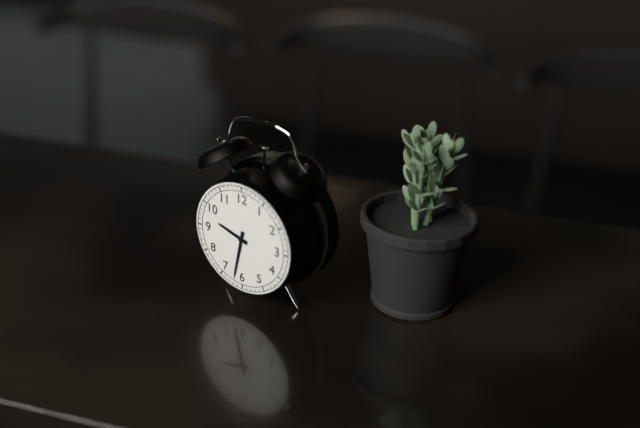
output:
9.32
